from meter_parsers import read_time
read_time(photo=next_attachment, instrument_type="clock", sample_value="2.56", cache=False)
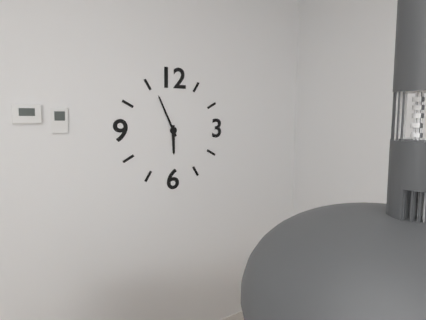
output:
5.56
